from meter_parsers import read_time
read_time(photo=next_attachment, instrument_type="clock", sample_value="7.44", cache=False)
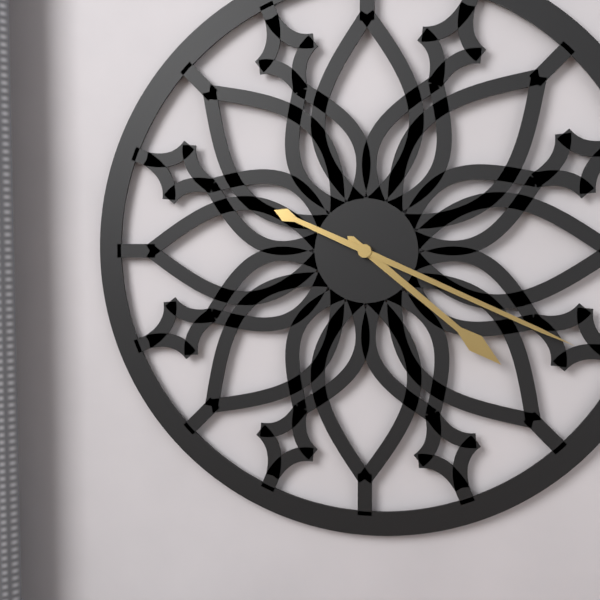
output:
4.19
